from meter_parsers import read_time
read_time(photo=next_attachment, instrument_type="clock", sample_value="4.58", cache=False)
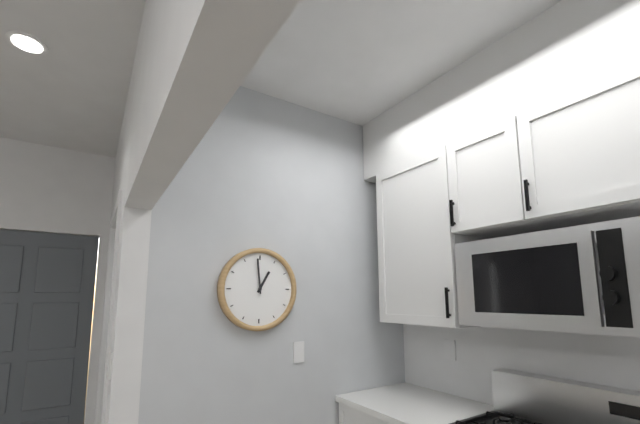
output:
12.59
